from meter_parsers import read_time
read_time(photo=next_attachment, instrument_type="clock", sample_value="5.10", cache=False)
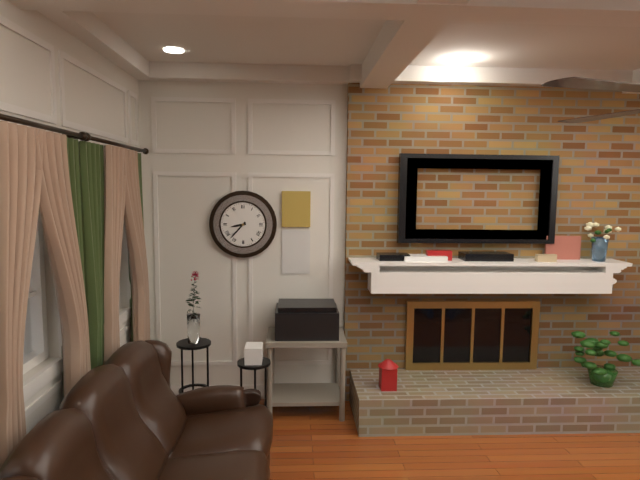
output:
8.37
